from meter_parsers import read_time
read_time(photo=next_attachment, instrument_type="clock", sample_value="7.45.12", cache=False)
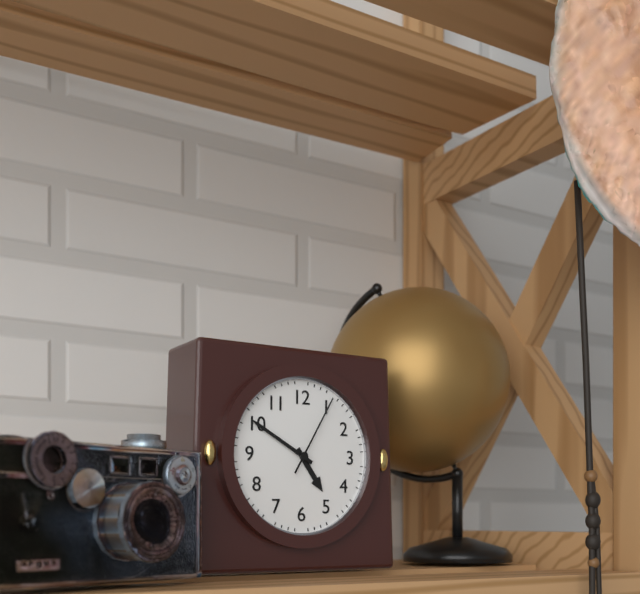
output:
4.50.05
